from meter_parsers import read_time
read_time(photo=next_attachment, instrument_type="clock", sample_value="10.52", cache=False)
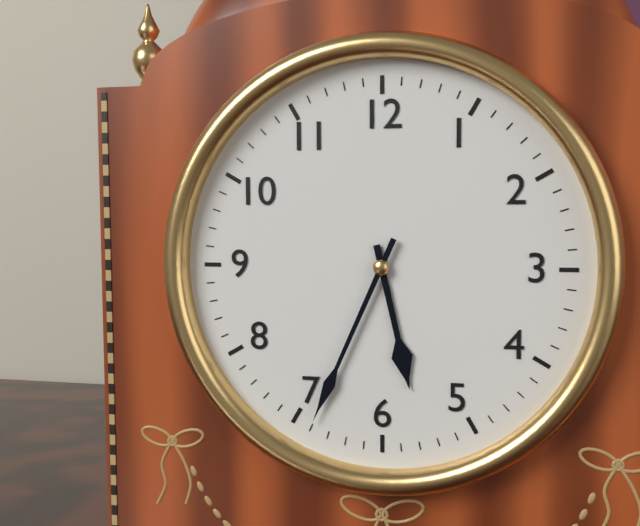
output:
5.34
